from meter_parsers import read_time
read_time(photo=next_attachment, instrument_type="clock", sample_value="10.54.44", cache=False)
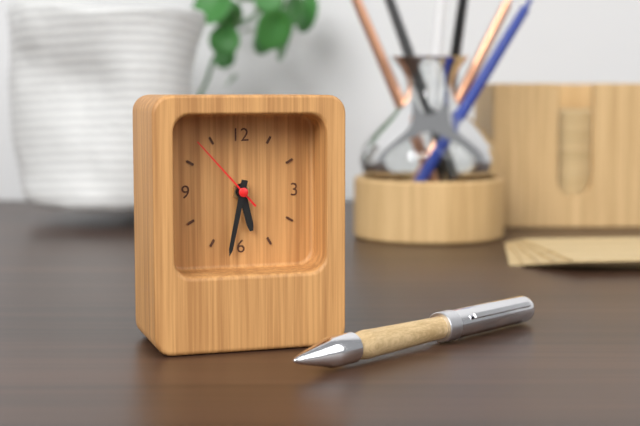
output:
5.32.53
